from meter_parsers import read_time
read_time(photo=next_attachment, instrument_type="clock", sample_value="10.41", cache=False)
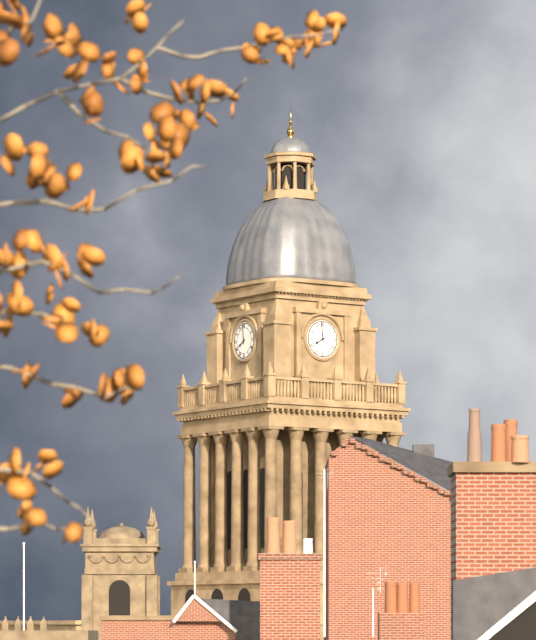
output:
7.59
